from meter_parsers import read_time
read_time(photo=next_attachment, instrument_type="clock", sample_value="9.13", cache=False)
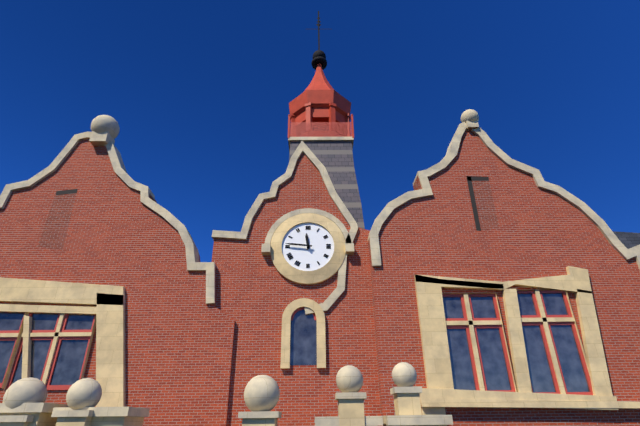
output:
11.46
